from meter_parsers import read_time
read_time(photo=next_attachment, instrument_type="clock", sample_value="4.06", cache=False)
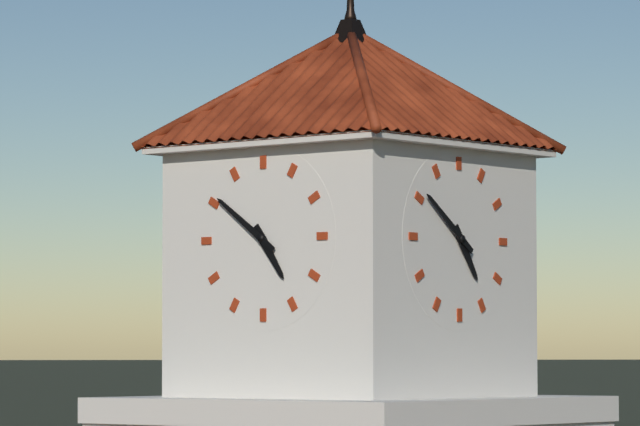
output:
4.51
